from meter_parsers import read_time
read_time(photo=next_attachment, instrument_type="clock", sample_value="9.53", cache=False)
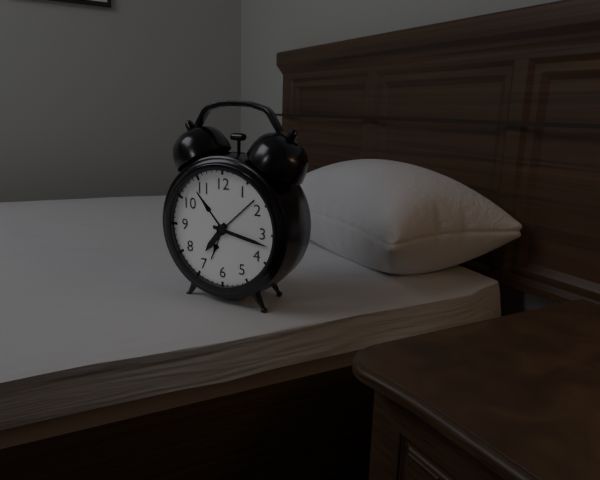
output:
7.17
